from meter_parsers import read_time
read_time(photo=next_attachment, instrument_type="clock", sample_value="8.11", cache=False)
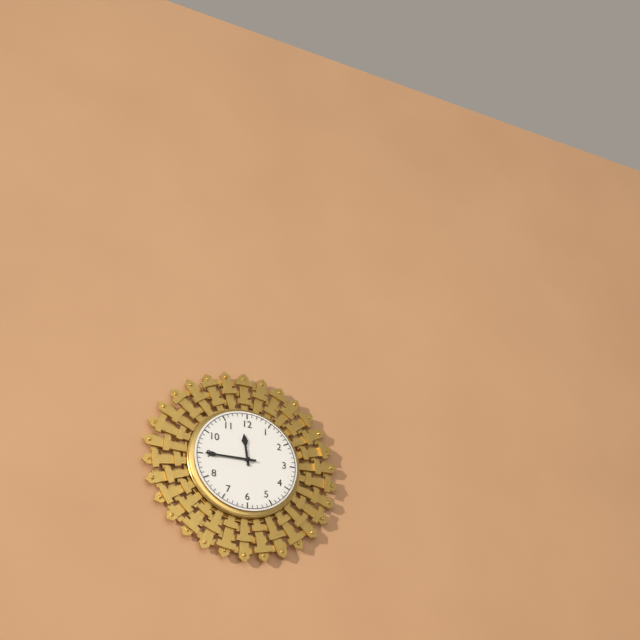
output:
11.45
